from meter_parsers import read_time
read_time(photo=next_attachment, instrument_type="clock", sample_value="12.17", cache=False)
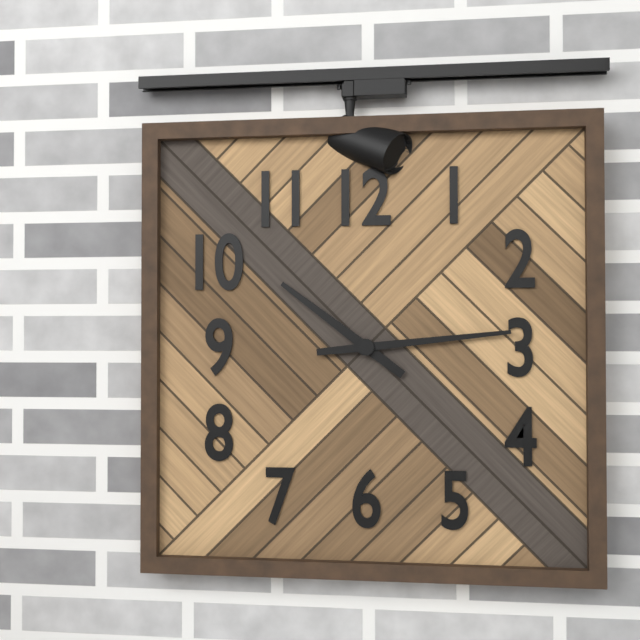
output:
10.14
